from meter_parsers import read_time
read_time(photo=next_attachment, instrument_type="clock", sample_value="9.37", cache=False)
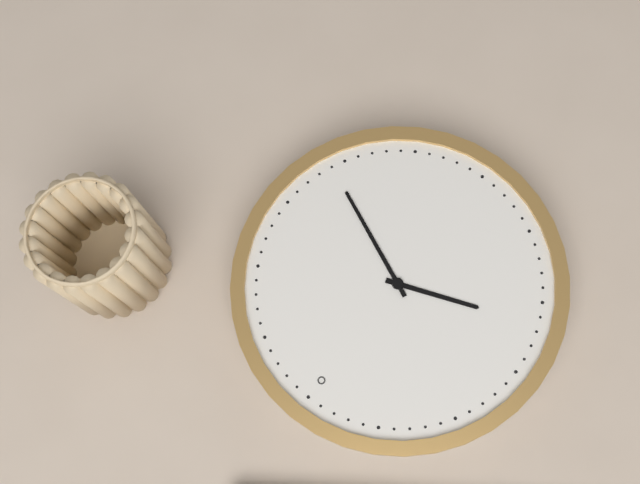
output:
8.19
